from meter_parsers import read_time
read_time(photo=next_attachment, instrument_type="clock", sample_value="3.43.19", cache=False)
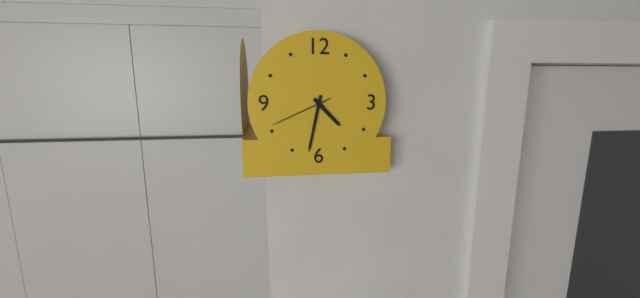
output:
4.32.41
